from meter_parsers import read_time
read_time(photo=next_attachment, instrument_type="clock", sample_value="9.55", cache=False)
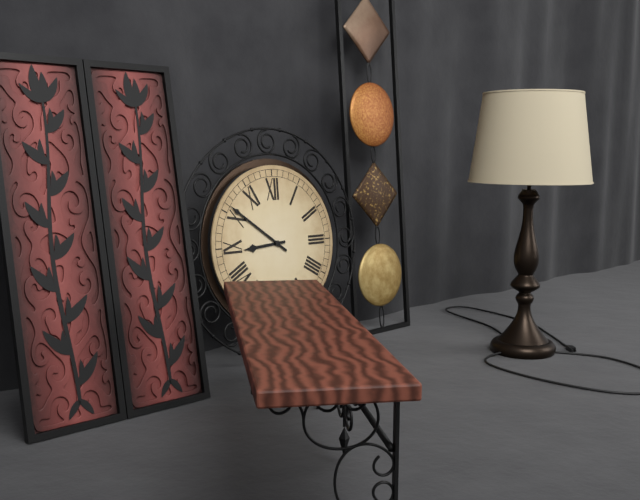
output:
8.51
